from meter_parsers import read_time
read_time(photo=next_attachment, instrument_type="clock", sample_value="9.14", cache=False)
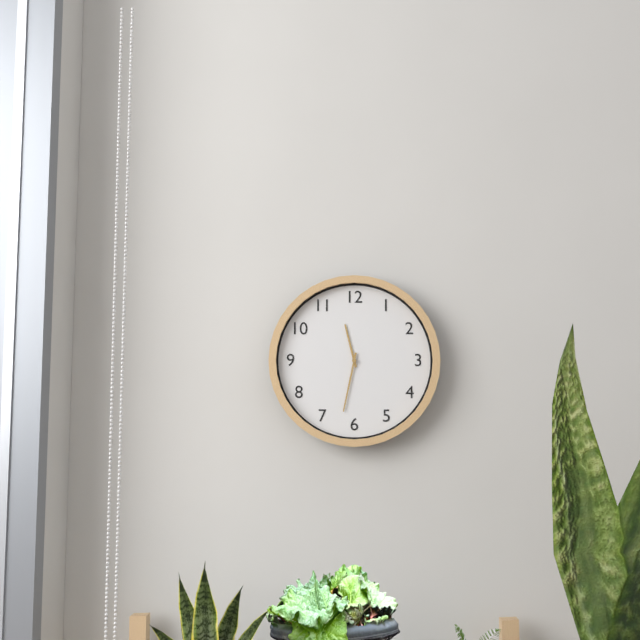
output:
11.32
